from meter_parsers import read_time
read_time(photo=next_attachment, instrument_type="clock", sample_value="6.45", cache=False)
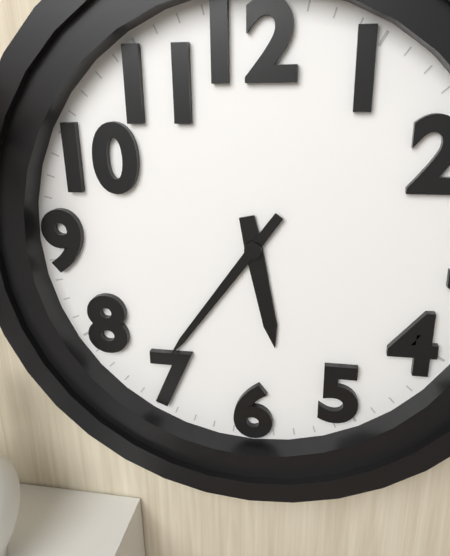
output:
5.36
